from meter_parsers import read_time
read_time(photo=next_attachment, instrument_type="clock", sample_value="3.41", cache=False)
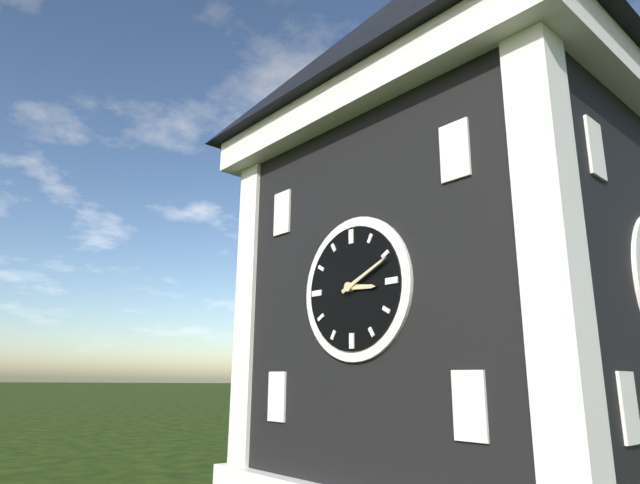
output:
3.11
